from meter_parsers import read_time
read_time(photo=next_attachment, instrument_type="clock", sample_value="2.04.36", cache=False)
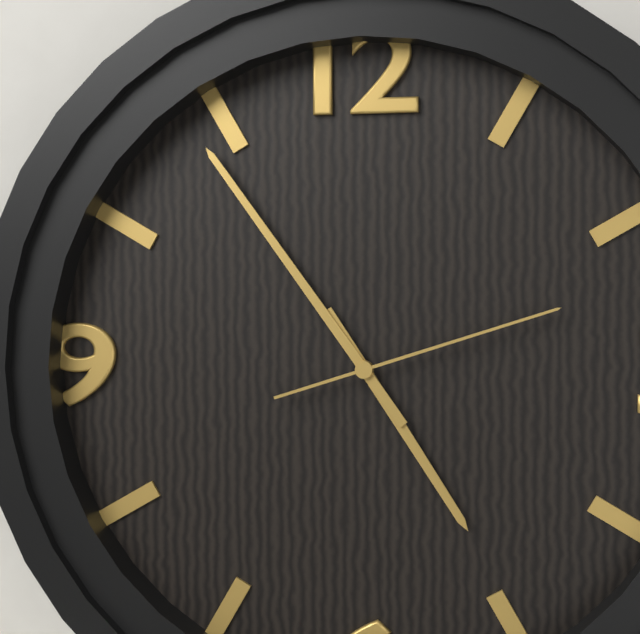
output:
4.54.12
